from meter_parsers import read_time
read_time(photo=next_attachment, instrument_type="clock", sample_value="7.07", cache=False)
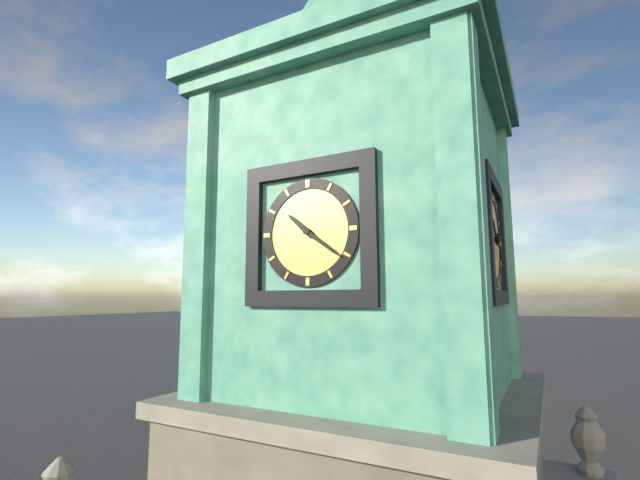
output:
10.21
